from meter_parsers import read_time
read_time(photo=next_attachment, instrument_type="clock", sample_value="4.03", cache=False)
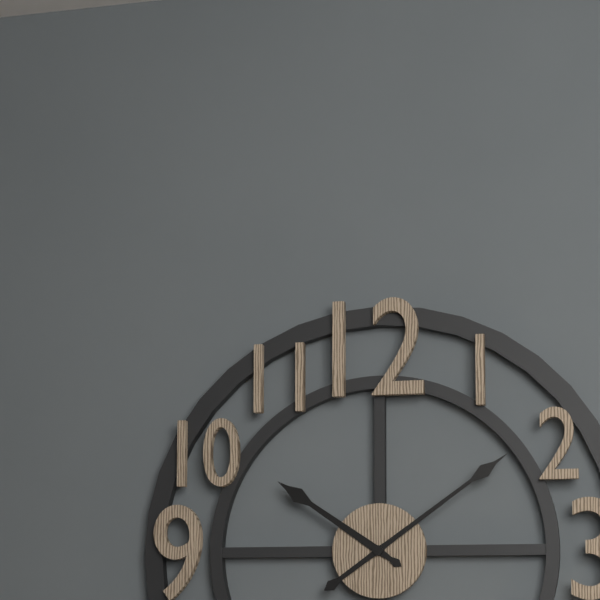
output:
10.09
